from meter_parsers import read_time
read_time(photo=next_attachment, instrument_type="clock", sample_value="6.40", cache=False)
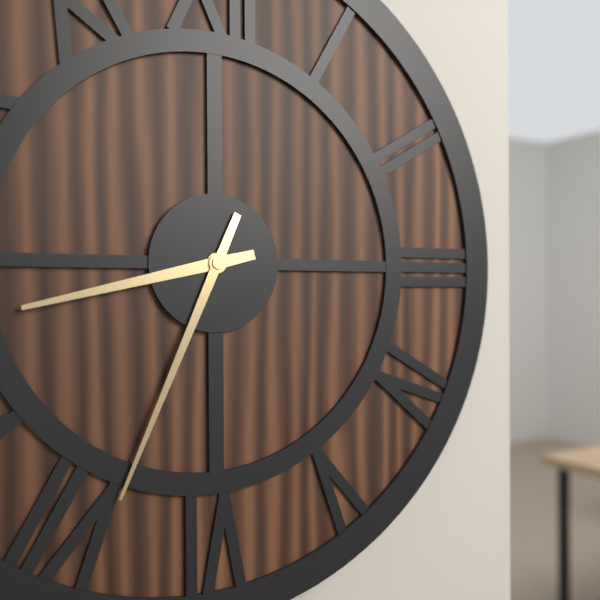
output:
8.34
